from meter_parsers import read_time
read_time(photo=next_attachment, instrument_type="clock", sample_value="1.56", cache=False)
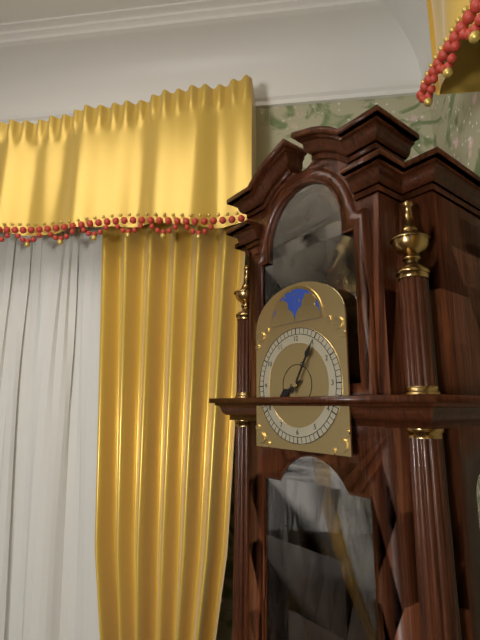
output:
8.05
